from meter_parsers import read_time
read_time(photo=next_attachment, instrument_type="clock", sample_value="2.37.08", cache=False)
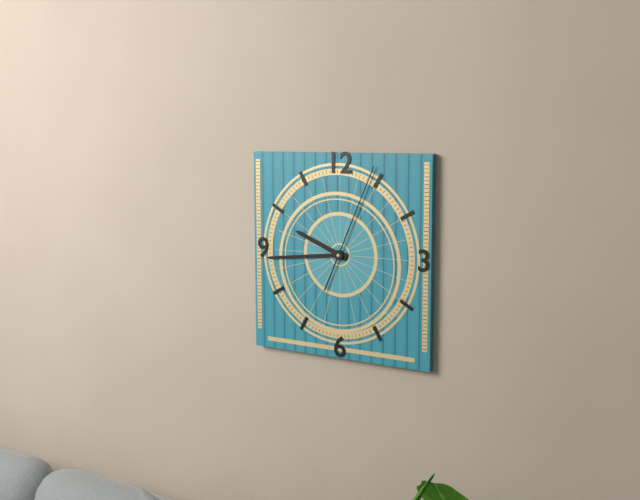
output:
9.44.04
